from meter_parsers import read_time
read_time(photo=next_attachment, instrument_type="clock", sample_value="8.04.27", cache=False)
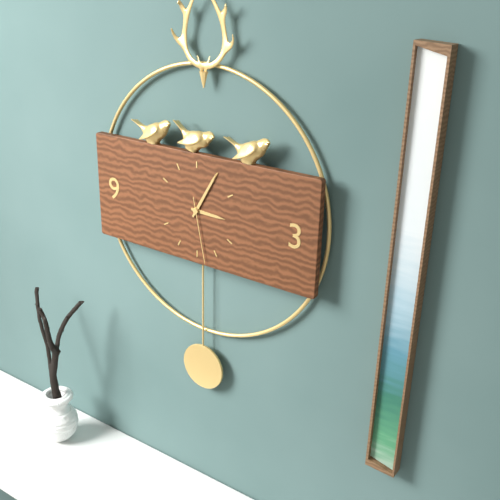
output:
3.05.28
